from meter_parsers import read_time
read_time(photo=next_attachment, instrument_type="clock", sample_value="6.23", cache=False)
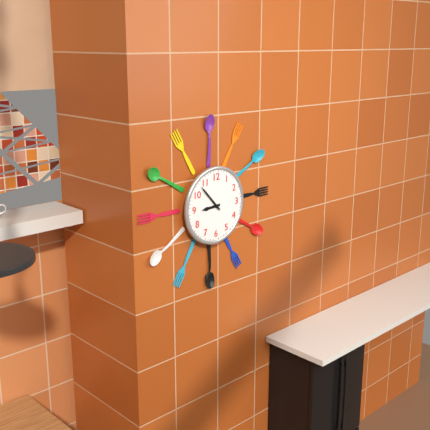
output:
8.53
